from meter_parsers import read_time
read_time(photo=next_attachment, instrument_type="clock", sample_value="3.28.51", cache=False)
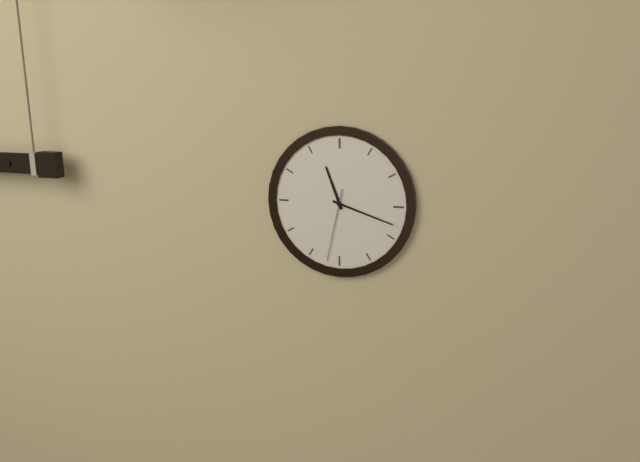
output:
11.18.32
